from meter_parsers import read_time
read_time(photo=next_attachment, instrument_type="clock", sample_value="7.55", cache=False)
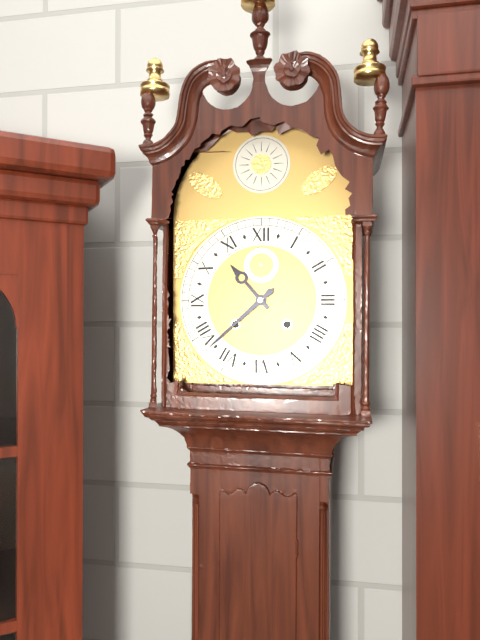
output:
10.38
